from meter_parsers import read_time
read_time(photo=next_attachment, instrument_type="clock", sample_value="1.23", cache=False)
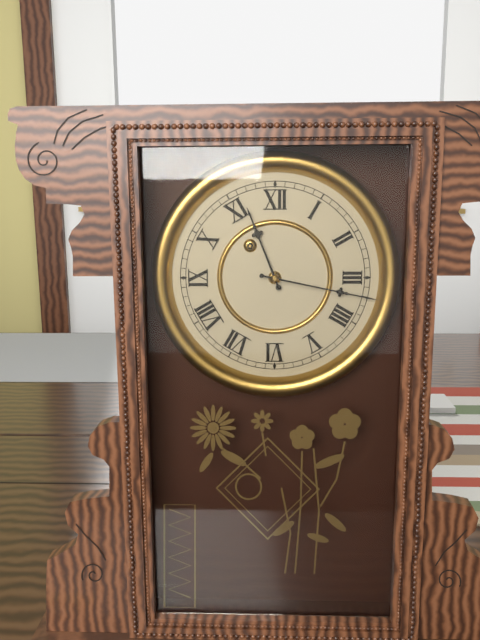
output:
11.17
